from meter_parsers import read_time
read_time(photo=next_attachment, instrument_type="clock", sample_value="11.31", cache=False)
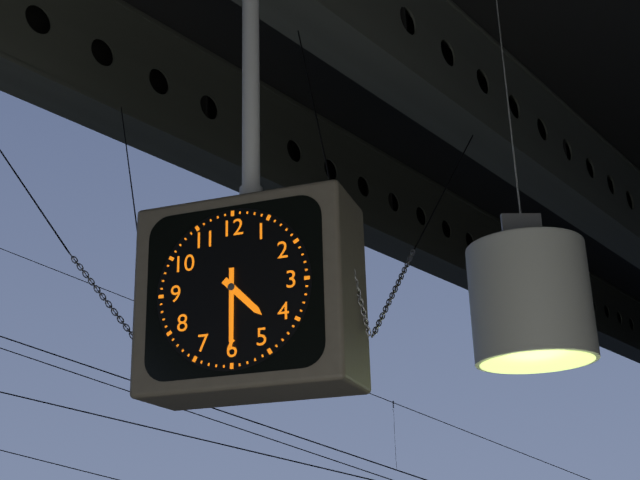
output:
4.30
